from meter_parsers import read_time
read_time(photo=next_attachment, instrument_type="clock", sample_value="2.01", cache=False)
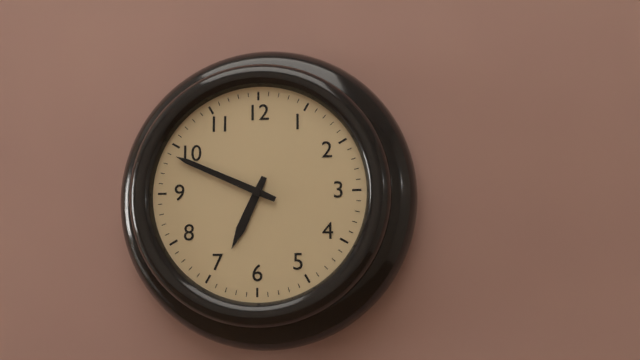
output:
6.49
